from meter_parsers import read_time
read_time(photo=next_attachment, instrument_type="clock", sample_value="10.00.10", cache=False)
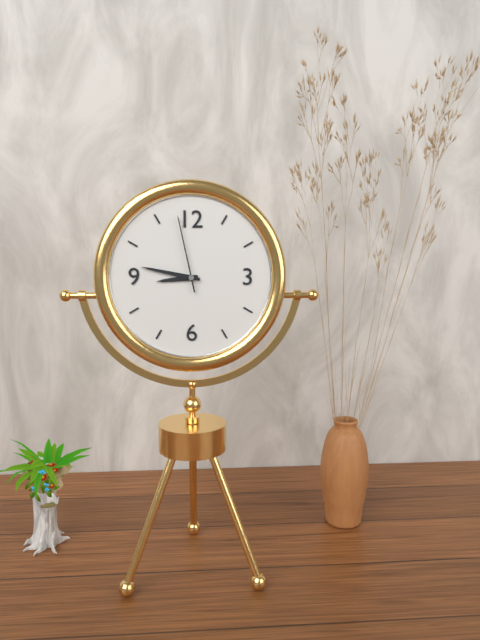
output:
8.47.58
